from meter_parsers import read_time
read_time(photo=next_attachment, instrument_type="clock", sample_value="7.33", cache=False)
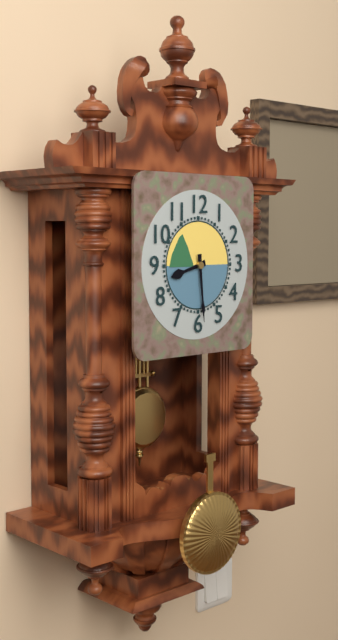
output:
8.29
